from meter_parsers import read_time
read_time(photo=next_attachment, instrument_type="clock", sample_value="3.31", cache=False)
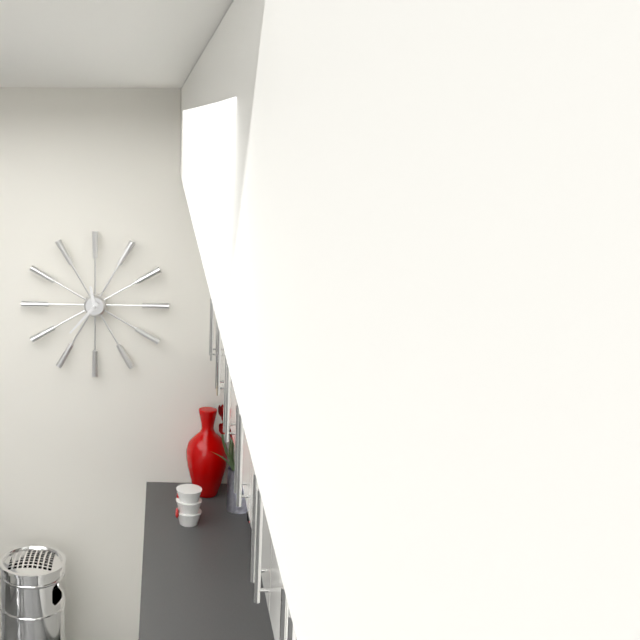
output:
11.37
